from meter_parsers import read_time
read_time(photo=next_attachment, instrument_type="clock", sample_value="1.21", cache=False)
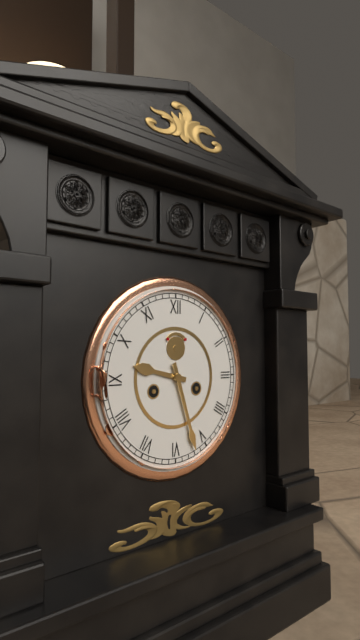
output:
9.27
